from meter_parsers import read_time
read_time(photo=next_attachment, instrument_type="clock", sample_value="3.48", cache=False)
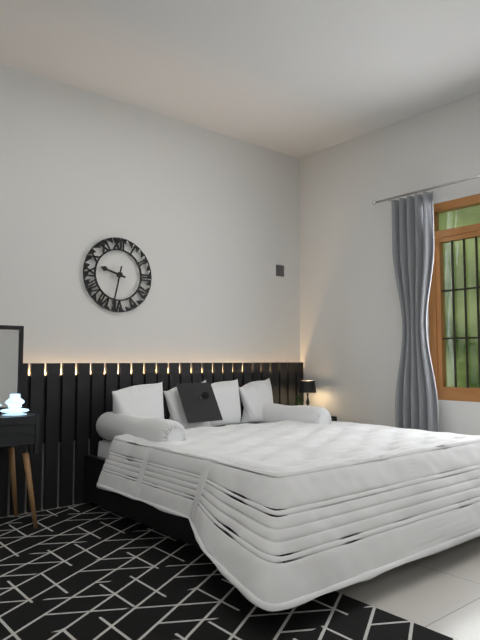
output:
9.32
